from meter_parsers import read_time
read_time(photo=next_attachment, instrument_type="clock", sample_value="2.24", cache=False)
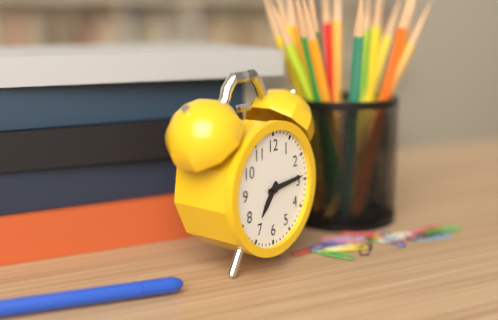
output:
7.14
